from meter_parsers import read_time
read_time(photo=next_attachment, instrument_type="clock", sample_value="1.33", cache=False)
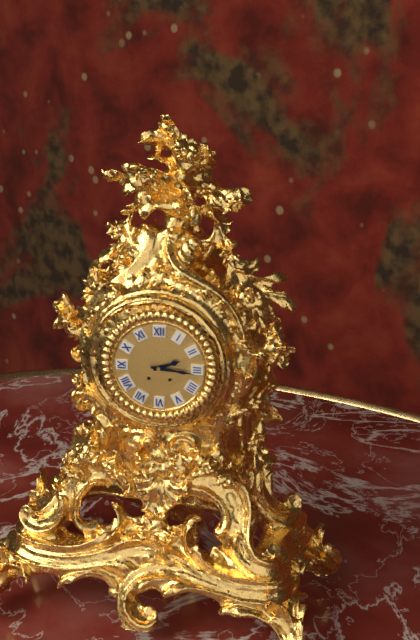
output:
2.16
